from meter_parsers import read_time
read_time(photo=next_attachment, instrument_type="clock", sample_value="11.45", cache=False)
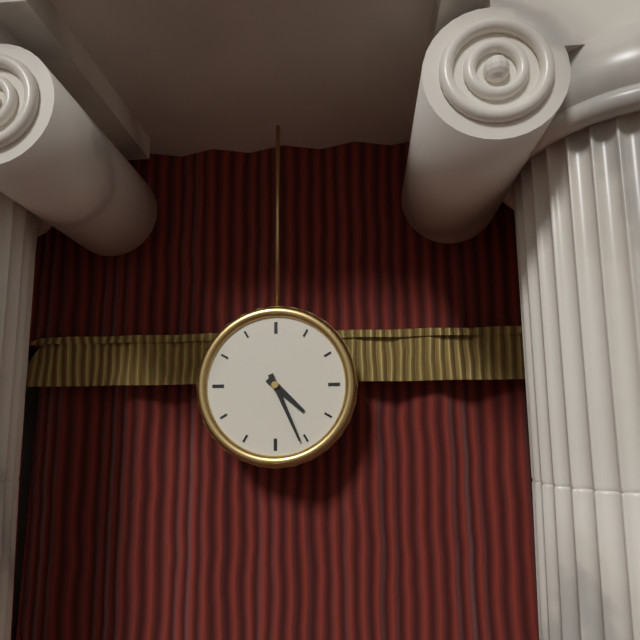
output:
4.26
